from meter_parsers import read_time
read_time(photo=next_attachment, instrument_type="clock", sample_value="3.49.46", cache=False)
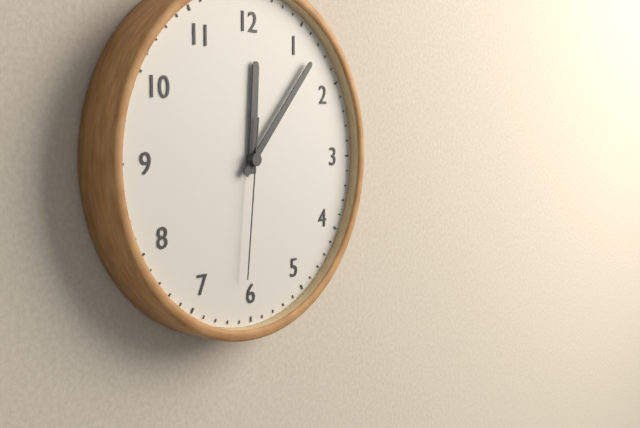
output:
12.07.31
